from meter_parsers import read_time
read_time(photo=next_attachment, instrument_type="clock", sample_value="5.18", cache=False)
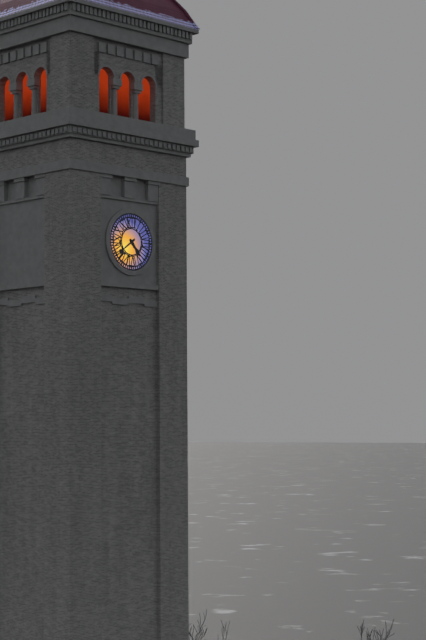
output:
4.39
